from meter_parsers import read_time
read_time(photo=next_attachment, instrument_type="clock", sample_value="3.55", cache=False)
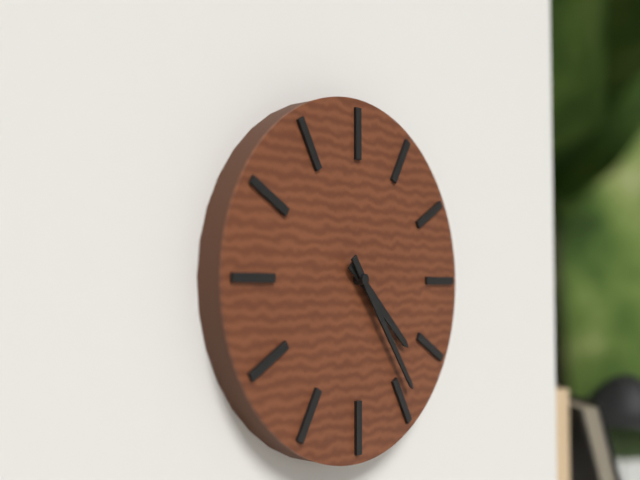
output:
4.24
